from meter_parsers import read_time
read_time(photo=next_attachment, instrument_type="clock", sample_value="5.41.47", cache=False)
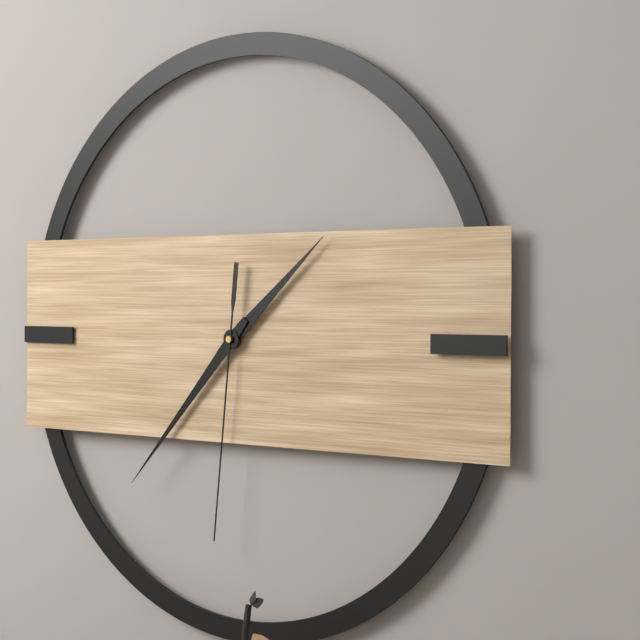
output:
1.37.31
